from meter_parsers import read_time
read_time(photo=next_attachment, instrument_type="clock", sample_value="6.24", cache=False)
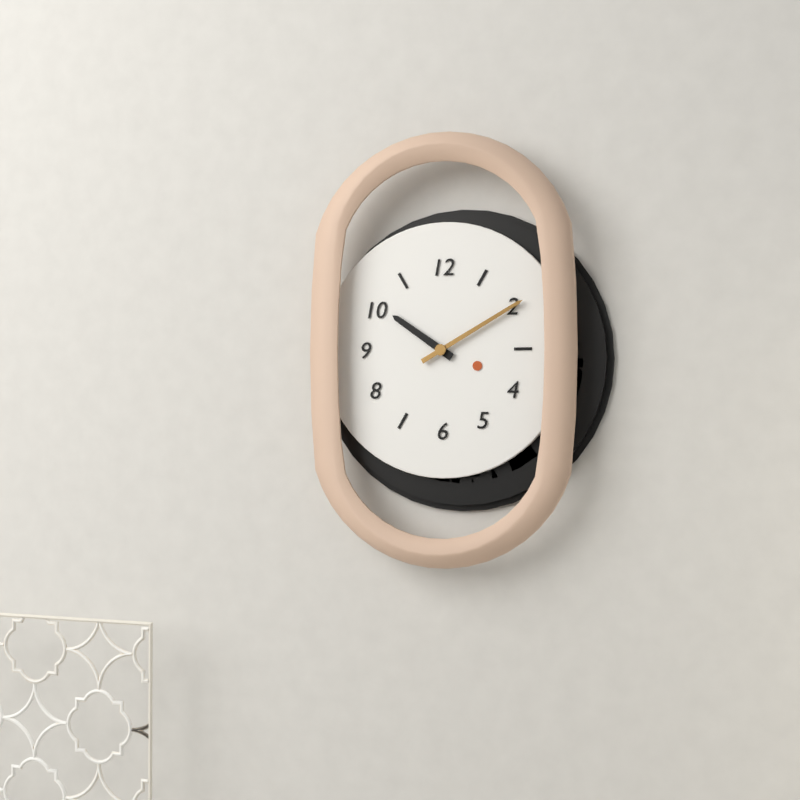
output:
10.10
